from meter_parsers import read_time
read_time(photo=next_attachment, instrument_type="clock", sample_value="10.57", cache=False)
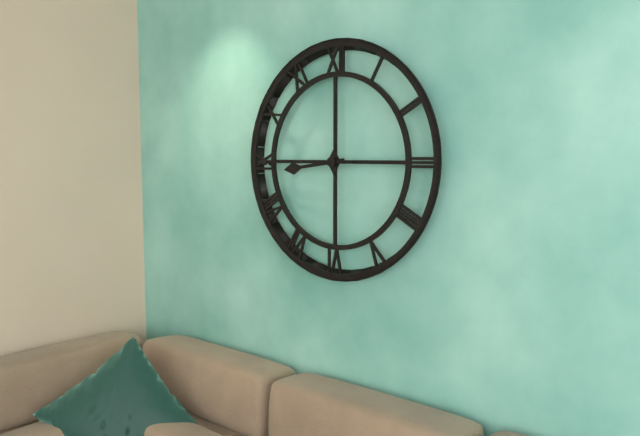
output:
8.45
